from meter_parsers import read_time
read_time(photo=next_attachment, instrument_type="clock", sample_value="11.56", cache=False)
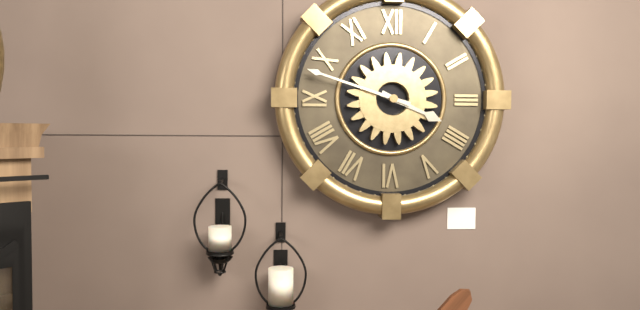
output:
3.48
